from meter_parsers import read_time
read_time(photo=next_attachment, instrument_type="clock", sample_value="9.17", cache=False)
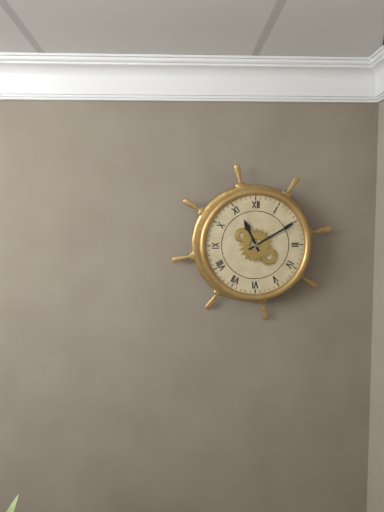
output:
11.10
